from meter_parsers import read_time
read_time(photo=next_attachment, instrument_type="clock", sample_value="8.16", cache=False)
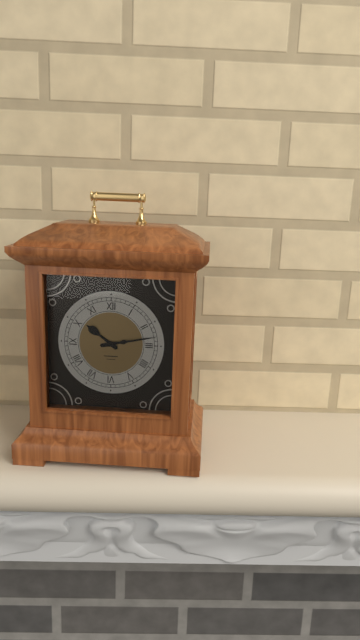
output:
10.13
